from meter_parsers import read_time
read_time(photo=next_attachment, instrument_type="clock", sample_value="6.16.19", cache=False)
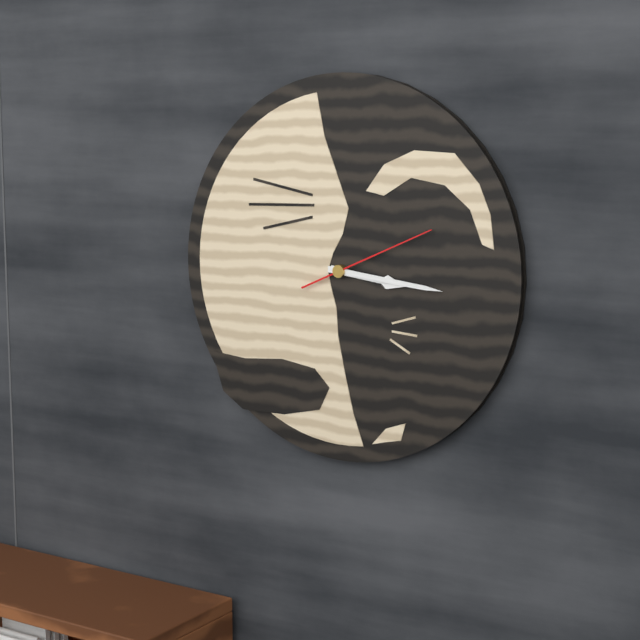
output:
3.16.11
